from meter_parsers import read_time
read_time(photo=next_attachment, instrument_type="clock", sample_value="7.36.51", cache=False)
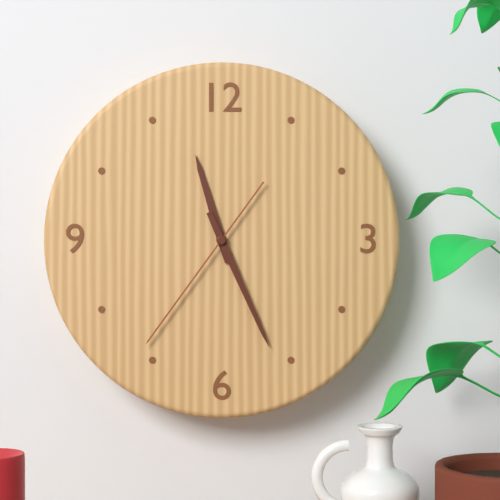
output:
11.26.36
